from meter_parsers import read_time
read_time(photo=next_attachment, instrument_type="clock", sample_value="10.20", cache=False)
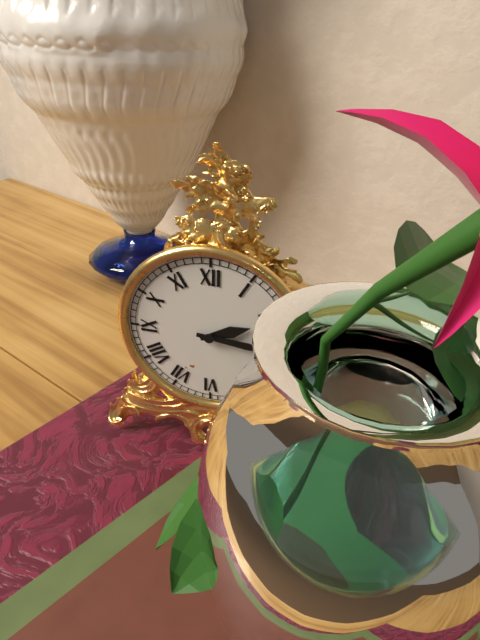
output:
2.16
